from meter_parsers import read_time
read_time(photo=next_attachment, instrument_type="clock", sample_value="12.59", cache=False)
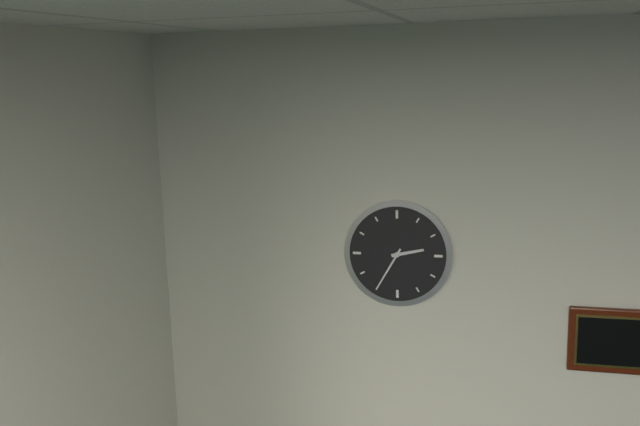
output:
2.35
